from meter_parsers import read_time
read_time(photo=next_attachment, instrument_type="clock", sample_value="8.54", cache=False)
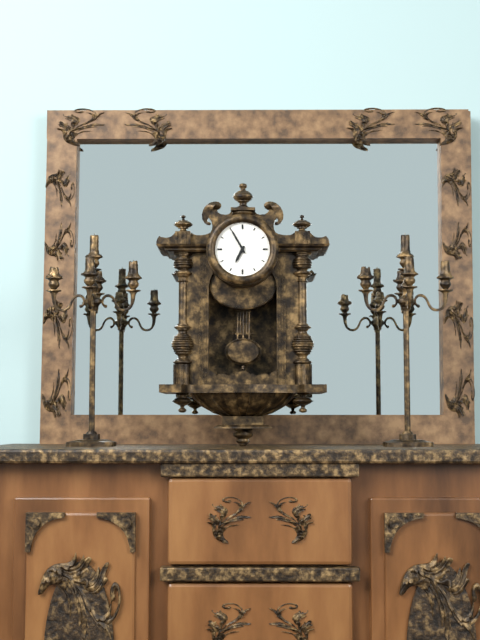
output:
6.55
